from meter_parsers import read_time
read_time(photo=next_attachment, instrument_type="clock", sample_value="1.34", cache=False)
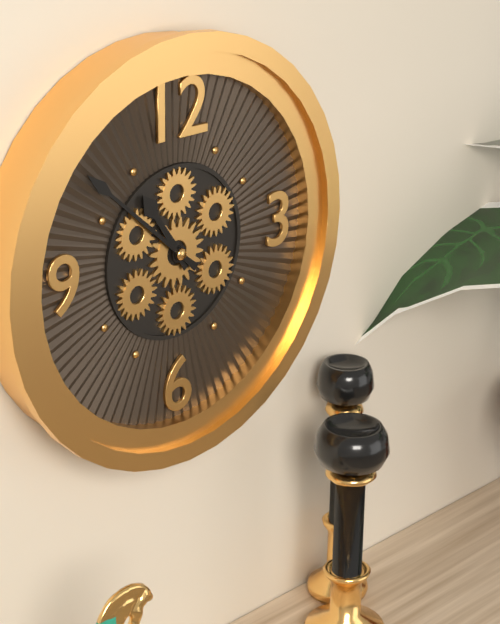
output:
10.52
